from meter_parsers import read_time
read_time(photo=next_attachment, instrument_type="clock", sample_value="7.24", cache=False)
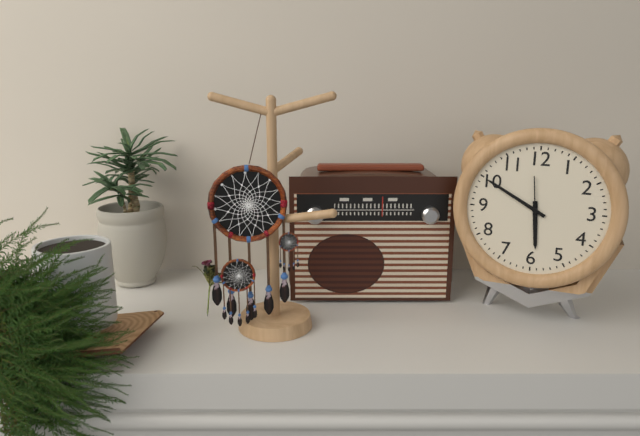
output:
5.50
